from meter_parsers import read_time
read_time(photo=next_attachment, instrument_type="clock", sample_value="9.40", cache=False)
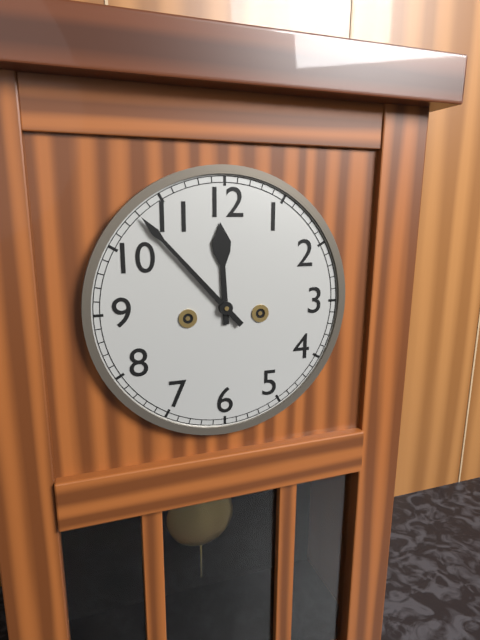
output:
11.53
